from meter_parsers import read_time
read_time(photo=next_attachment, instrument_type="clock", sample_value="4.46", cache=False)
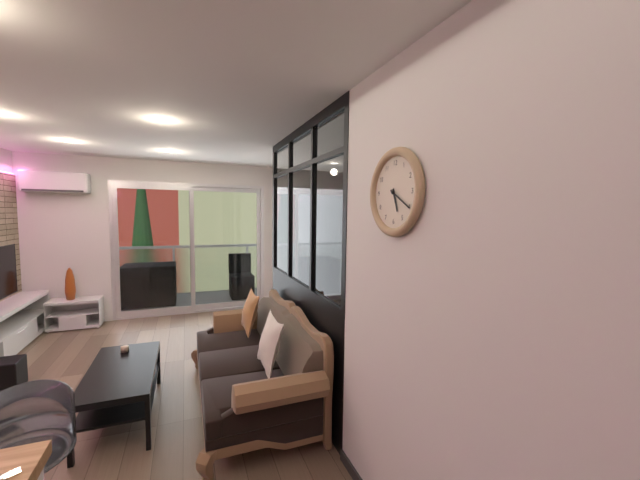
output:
5.20
